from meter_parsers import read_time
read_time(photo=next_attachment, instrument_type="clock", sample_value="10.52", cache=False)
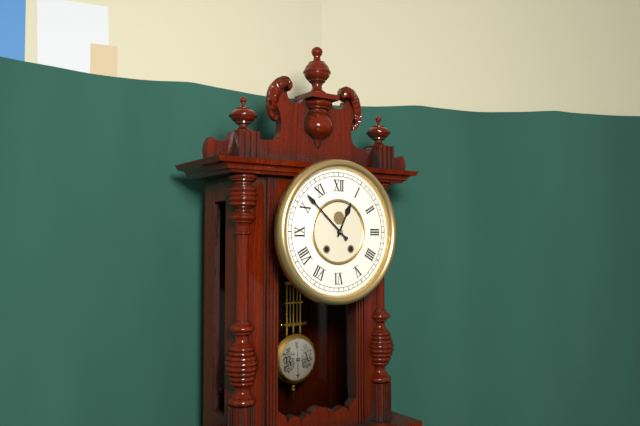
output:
12.52
